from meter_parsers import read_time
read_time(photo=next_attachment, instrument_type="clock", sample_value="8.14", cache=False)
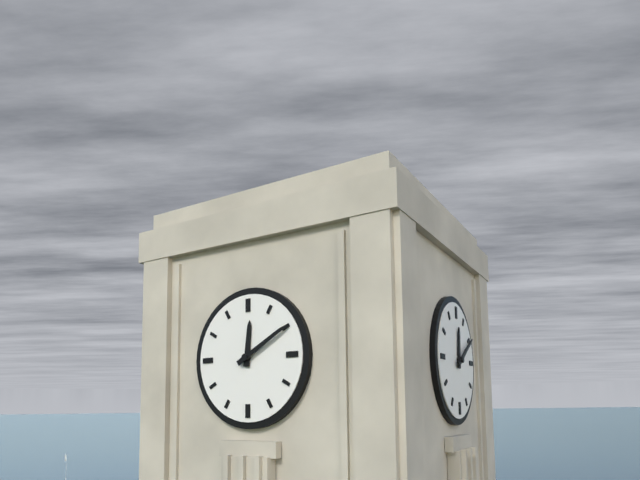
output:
12.10
